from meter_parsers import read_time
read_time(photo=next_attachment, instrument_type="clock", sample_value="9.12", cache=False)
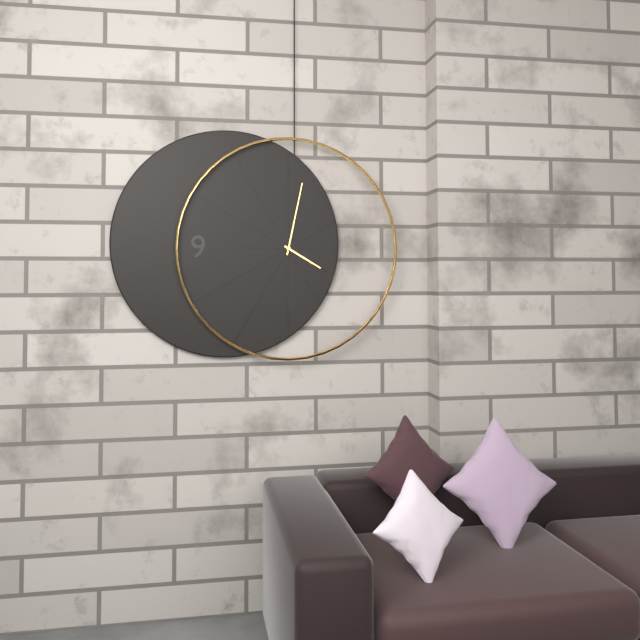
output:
4.02
